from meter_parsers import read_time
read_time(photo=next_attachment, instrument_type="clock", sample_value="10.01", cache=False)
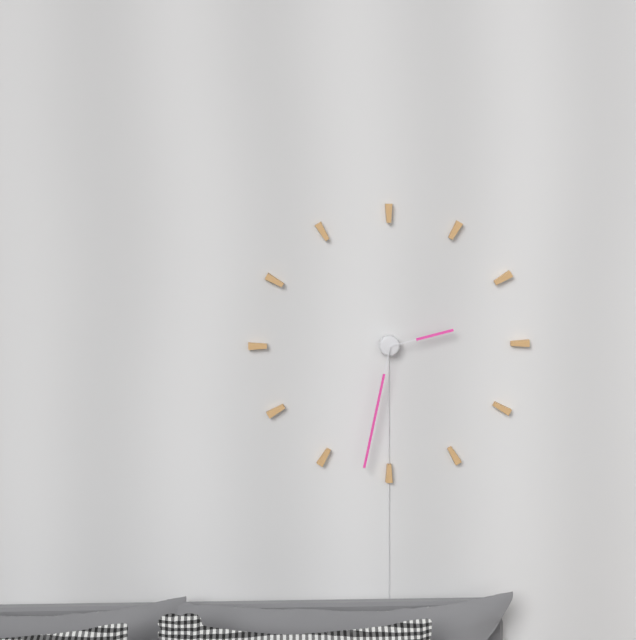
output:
2.32
